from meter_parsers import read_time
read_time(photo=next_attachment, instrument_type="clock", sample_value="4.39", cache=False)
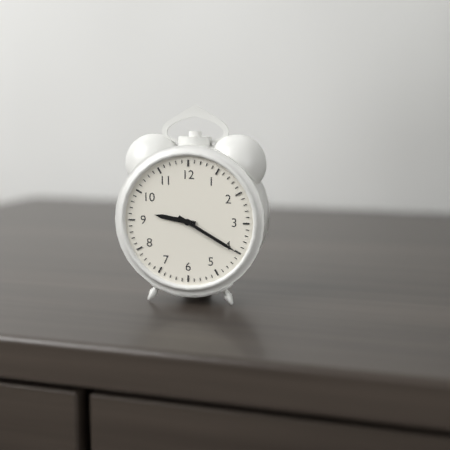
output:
9.20
